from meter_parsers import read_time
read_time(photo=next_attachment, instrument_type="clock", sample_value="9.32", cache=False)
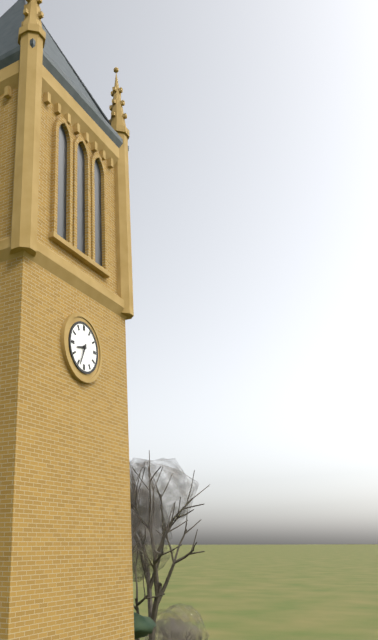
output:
8.34
